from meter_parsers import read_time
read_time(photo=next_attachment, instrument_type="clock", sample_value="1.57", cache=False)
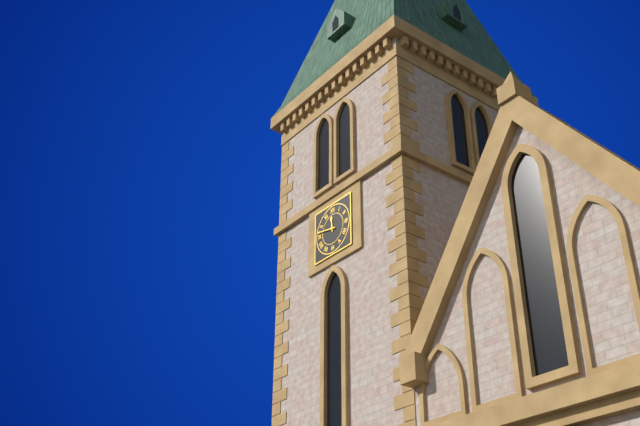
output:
11.47
